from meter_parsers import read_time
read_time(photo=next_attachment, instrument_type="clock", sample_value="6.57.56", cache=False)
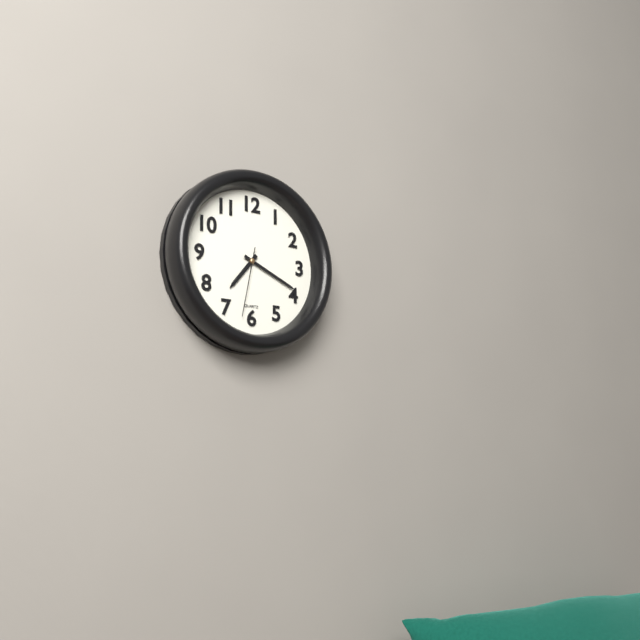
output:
7.19.32
